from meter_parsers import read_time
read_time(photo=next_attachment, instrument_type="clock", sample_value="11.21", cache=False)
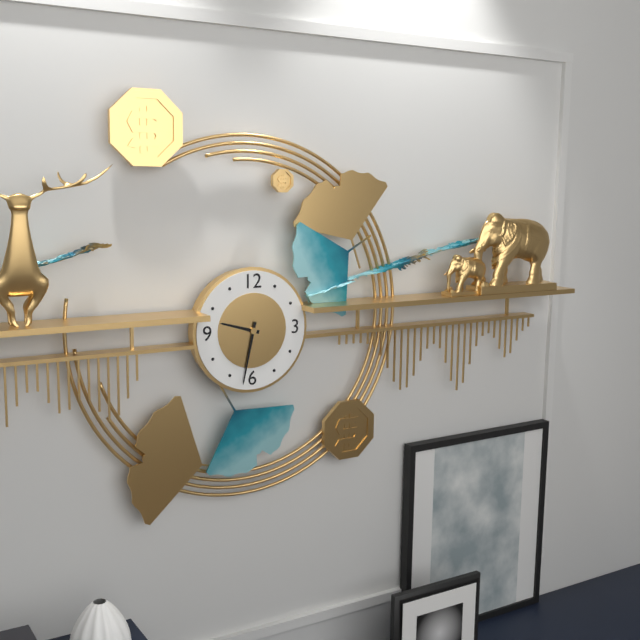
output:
9.32
